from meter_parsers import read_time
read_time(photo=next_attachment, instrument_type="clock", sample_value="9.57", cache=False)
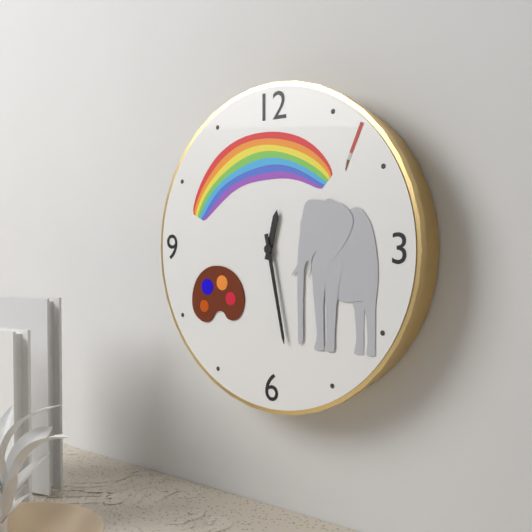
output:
12.28
